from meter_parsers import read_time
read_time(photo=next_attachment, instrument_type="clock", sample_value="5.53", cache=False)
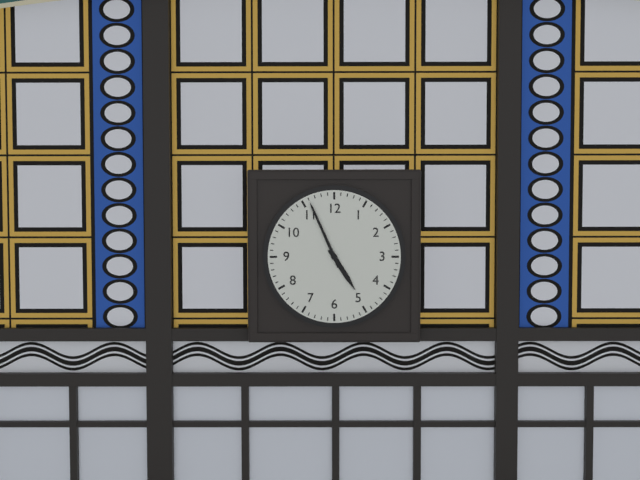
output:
4.56
